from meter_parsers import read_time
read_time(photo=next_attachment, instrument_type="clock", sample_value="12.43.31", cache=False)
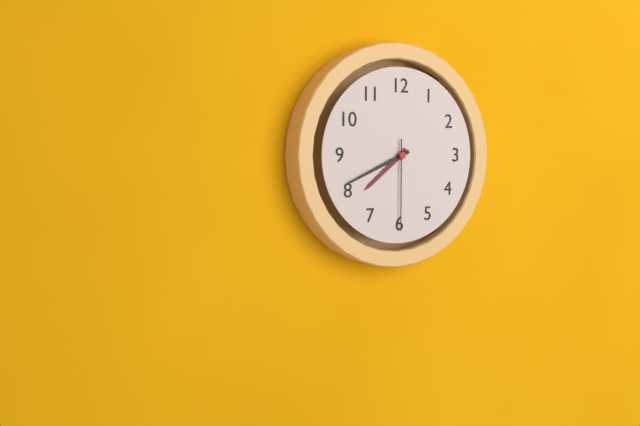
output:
7.41.30
